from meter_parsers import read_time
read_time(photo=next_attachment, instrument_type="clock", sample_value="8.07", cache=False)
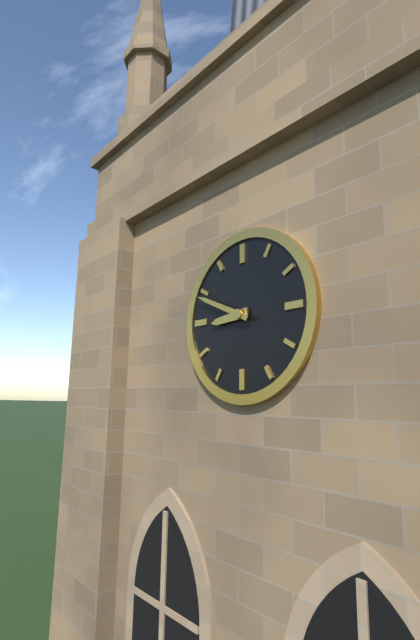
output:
8.49
